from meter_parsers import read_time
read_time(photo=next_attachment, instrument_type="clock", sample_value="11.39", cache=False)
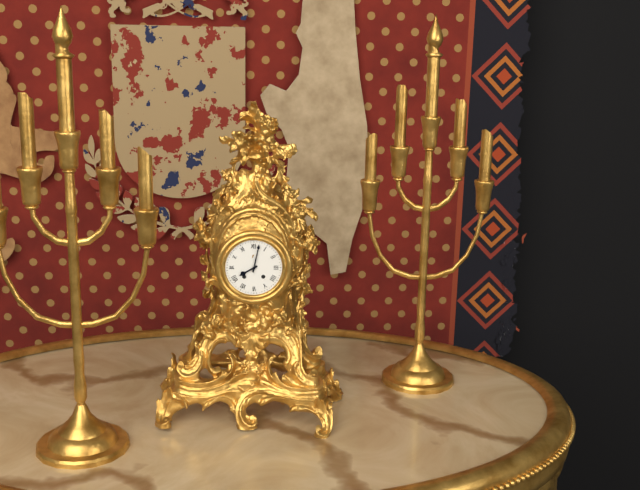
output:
8.02
